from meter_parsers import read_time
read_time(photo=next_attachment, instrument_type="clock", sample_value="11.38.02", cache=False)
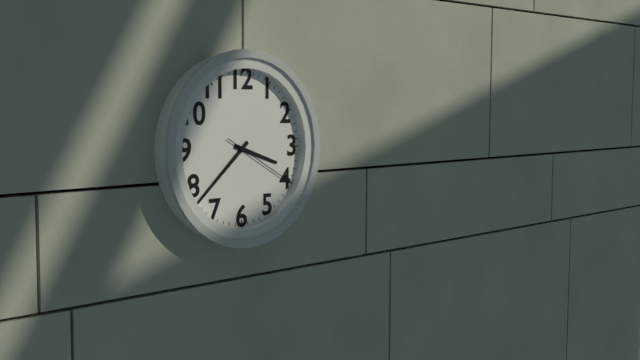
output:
3.38.20
